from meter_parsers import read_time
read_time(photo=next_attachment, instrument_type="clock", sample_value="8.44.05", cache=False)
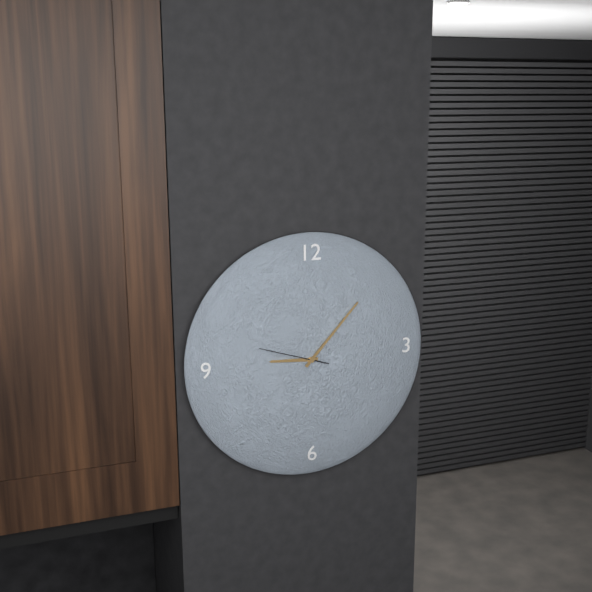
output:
9.07.48
